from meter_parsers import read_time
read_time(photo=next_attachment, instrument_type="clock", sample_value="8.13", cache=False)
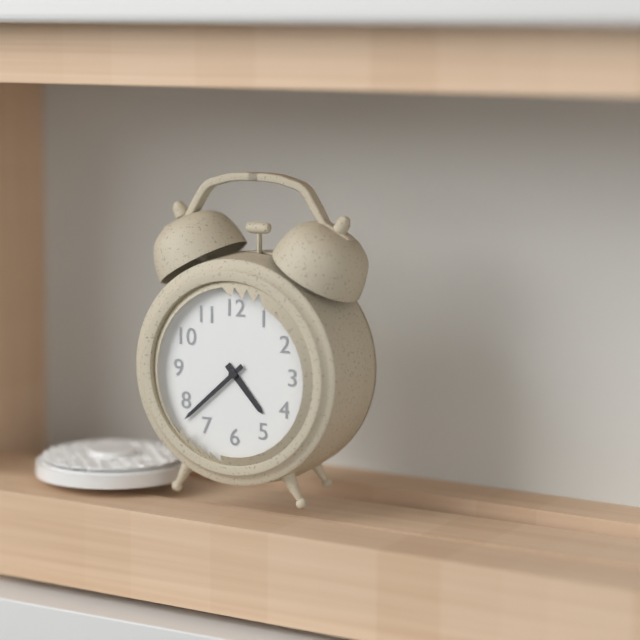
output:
4.38
